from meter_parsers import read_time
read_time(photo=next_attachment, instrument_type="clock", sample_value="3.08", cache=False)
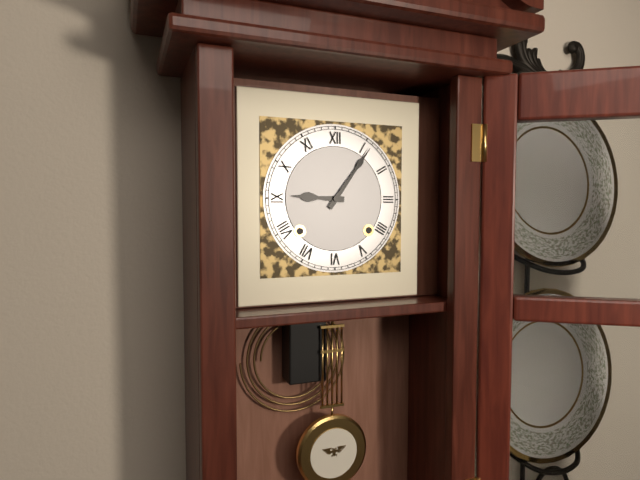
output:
9.06
